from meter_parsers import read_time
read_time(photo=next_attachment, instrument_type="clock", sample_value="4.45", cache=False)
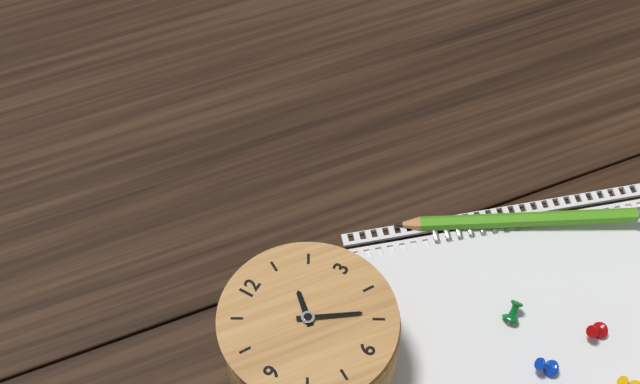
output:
1.24
